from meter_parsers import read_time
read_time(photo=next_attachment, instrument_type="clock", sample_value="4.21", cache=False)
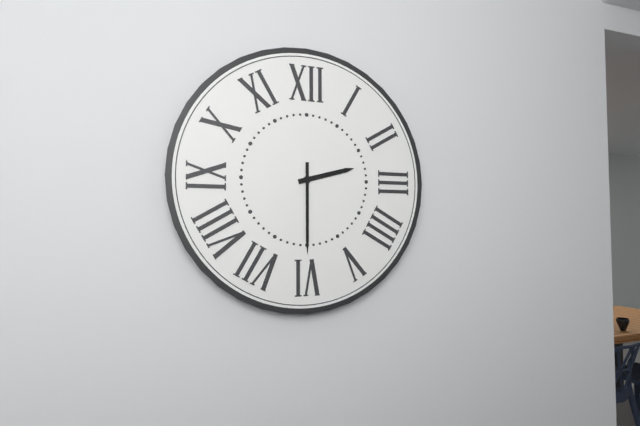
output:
2.30
